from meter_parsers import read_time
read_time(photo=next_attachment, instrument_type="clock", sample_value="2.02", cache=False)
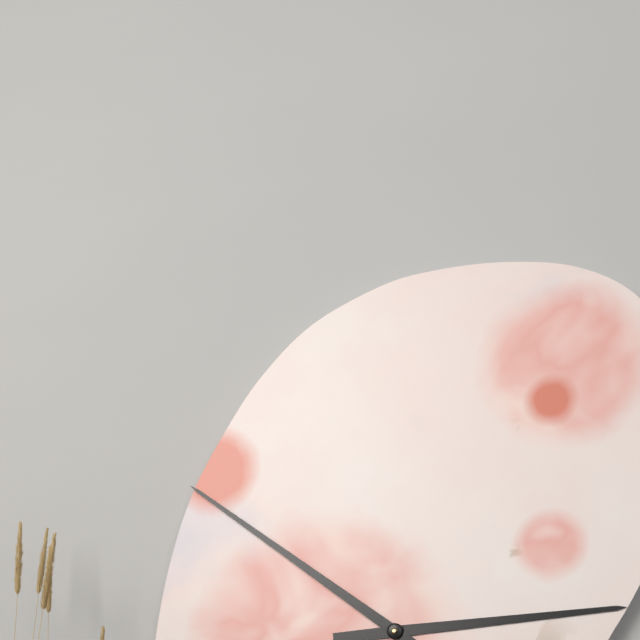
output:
2.51
